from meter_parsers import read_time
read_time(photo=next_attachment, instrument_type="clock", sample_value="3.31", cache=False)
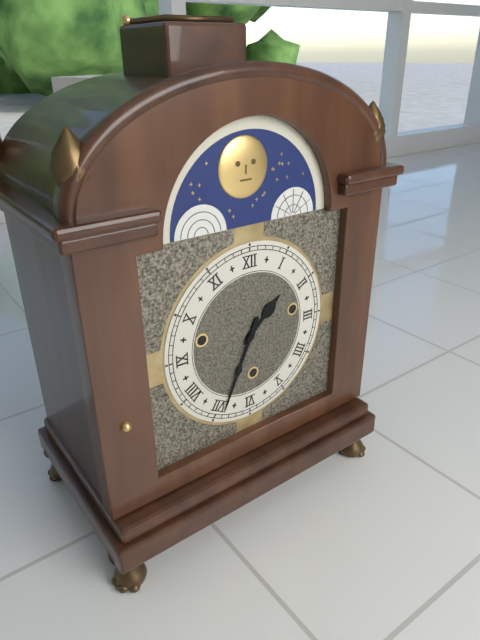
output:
1.34
